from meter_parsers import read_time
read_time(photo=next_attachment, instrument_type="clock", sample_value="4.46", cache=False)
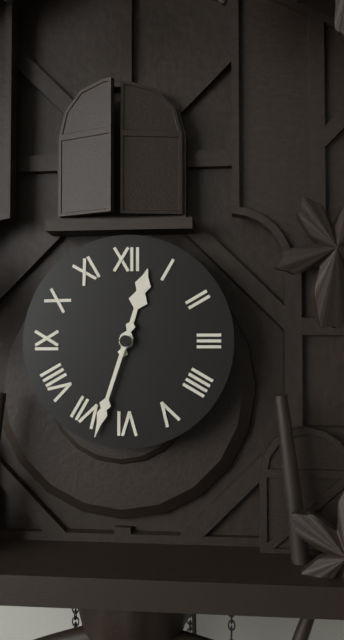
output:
12.33
